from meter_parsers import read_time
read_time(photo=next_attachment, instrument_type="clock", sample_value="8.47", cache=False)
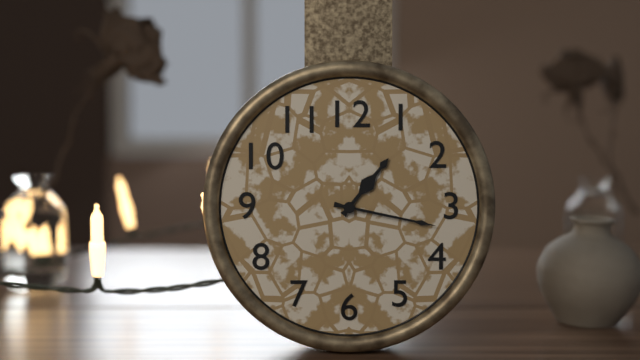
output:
1.17
